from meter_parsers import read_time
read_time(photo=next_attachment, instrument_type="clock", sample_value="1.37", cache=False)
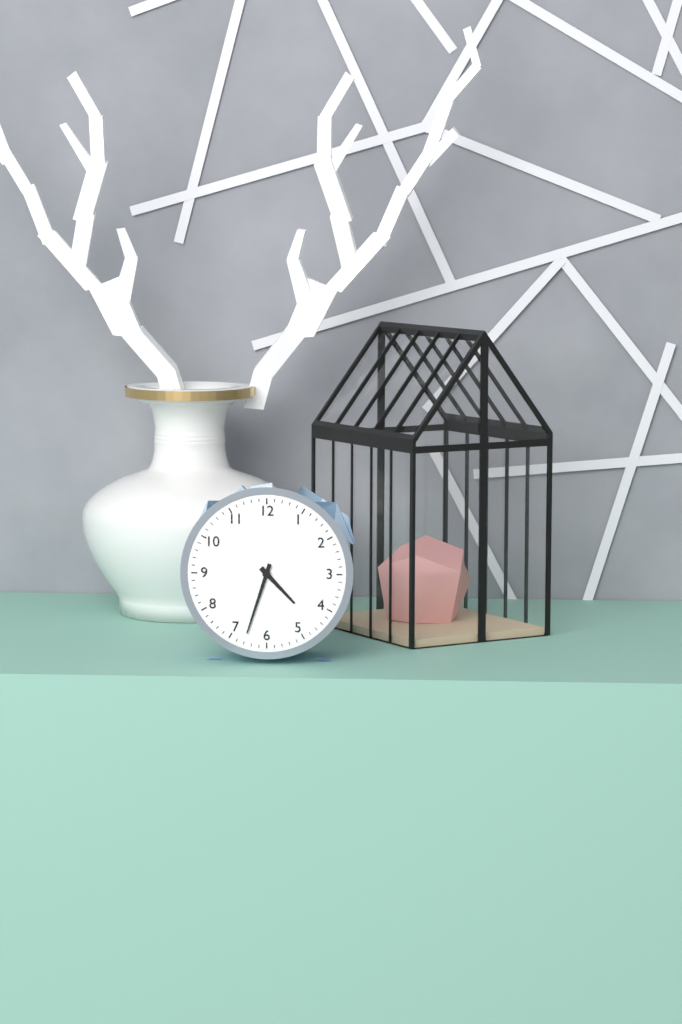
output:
4.33
